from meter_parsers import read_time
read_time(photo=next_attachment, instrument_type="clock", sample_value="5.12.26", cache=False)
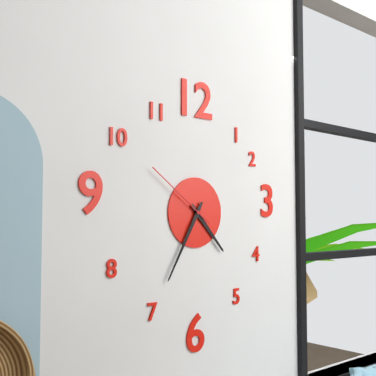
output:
4.35.51
